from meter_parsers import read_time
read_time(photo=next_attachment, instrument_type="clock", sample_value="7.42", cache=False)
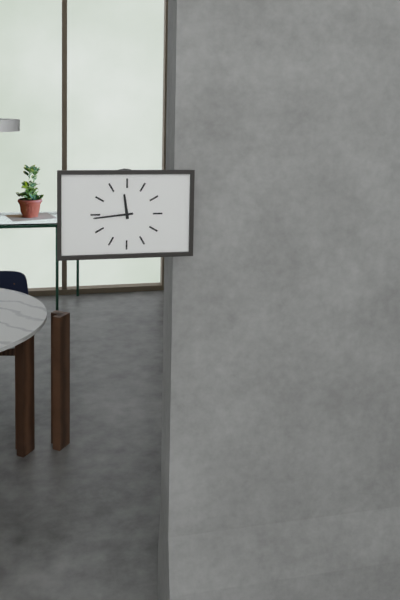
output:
11.44
